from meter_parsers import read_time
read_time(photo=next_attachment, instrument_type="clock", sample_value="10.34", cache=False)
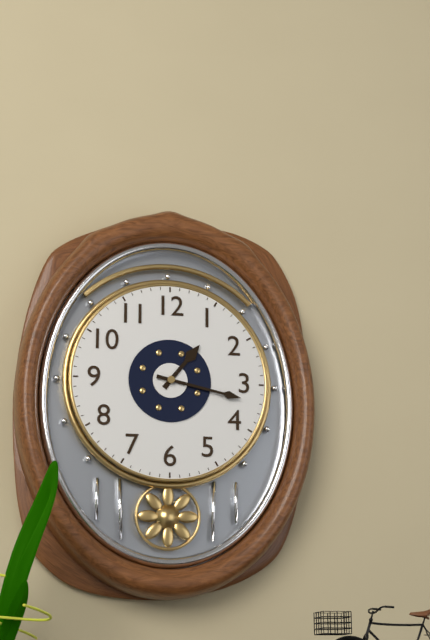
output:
1.17
